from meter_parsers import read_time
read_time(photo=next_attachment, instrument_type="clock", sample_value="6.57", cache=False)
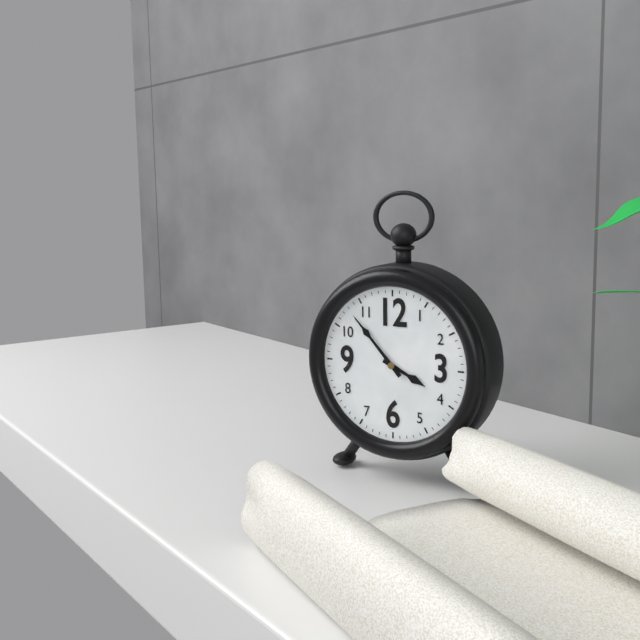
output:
3.53
